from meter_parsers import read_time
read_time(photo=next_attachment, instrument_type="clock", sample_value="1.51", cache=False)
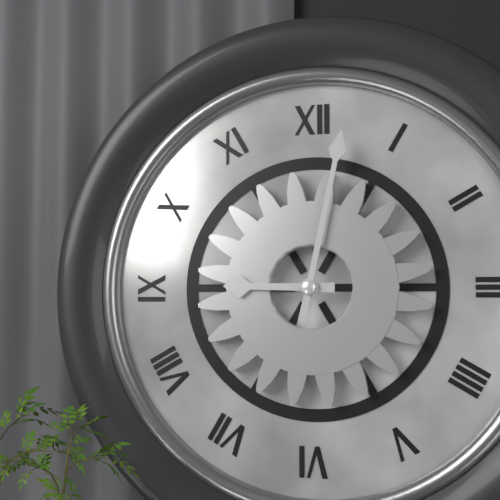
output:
9.02
